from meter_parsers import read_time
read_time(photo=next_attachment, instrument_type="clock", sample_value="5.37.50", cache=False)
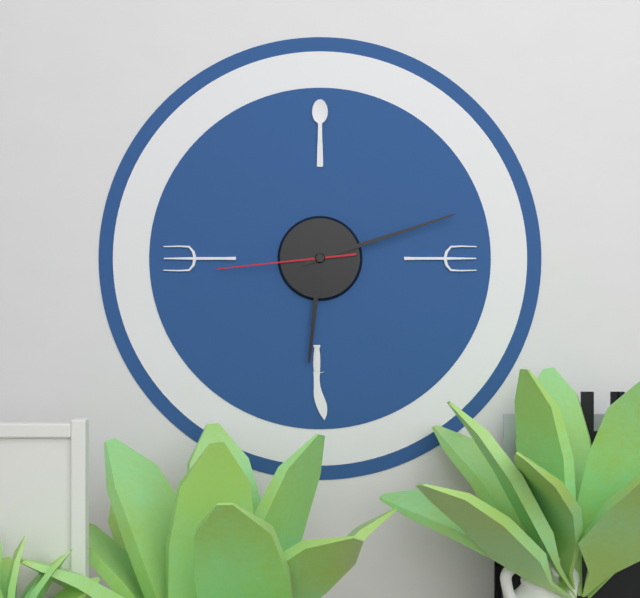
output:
6.12.44
